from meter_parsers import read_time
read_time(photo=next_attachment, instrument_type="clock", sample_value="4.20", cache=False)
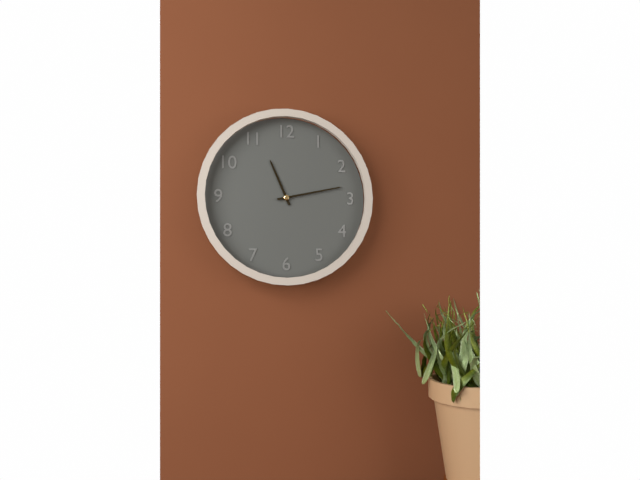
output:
11.13
